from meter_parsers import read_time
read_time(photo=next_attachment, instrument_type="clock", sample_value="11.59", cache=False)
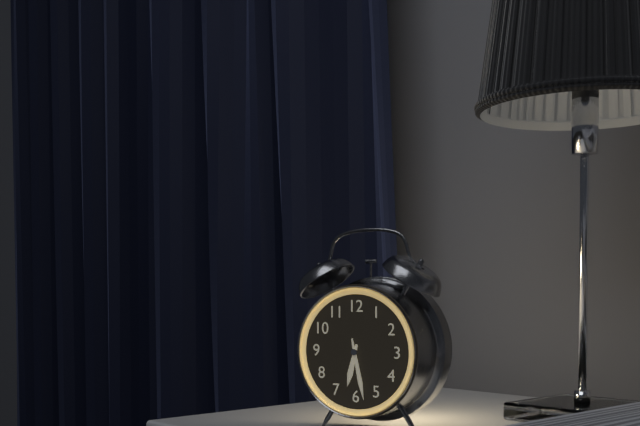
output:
6.28
